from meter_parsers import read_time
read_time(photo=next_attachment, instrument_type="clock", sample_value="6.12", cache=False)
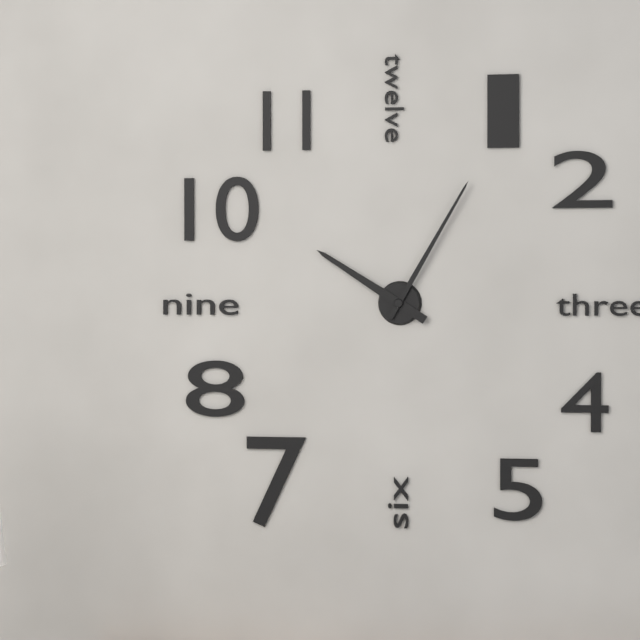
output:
10.05
